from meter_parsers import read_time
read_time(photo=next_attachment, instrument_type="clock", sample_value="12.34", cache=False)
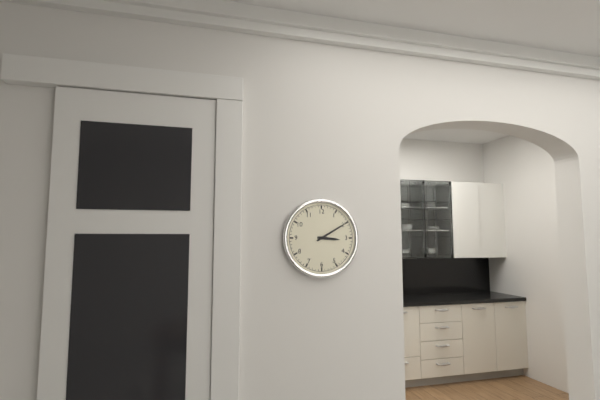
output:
3.10
